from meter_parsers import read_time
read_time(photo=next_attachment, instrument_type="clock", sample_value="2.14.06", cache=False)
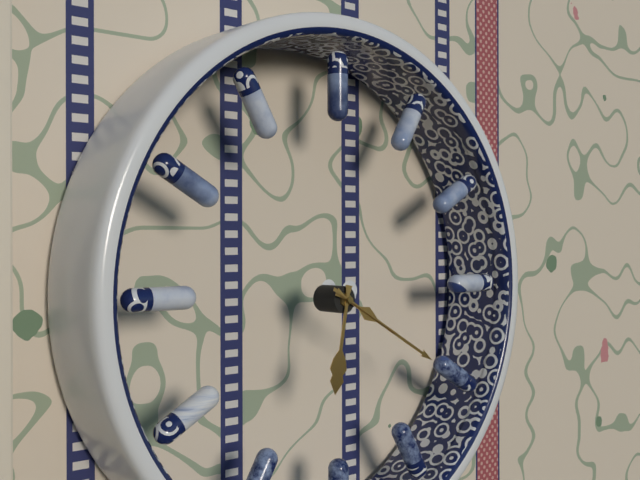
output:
6.20.20
